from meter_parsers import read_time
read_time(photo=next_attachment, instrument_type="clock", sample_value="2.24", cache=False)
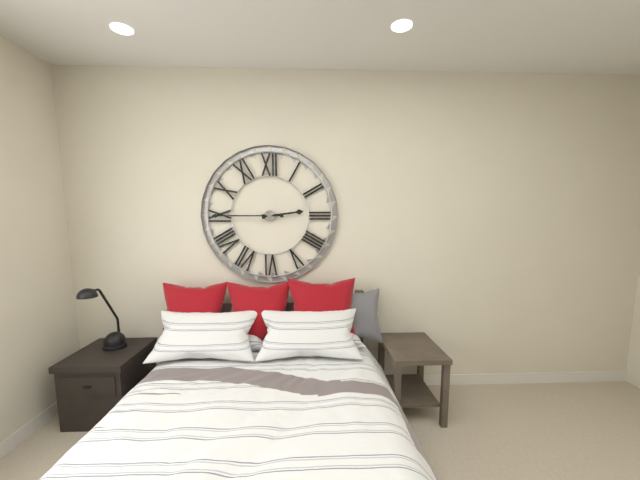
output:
2.45
